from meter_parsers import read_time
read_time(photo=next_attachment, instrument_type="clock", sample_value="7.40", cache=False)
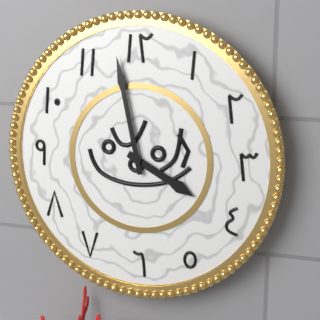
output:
3.58
